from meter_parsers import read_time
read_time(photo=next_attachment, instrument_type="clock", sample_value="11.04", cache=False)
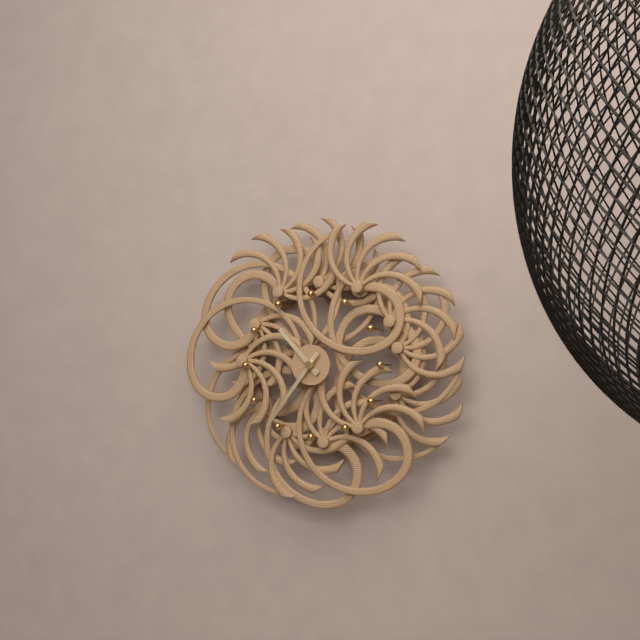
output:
10.36
